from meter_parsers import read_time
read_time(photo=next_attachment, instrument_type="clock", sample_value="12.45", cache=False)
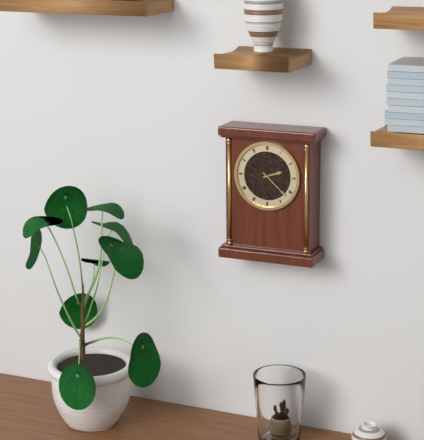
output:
2.22
